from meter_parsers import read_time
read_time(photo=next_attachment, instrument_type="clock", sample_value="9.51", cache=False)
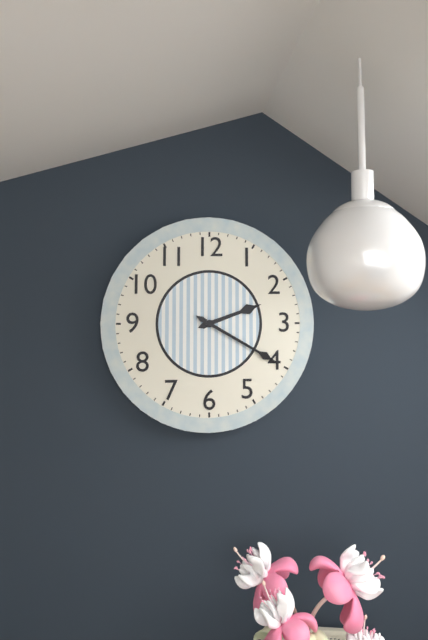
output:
2.20
